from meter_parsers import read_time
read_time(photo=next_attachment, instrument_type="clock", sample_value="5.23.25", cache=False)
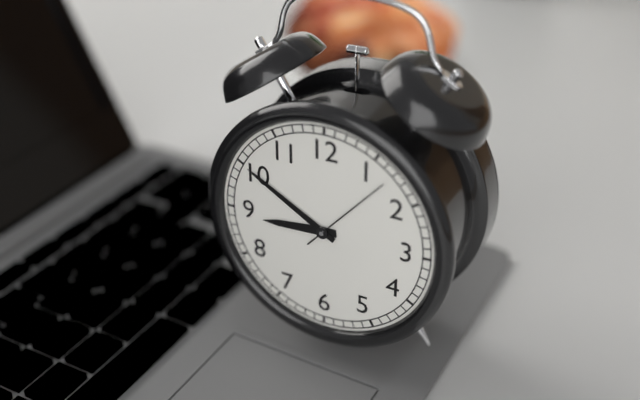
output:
8.50.07
